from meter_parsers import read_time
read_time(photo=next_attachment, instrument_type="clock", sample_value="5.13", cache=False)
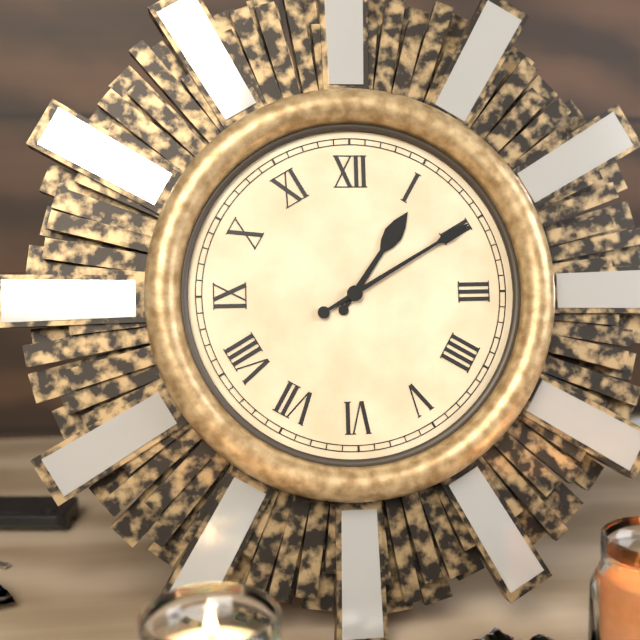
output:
1.10
